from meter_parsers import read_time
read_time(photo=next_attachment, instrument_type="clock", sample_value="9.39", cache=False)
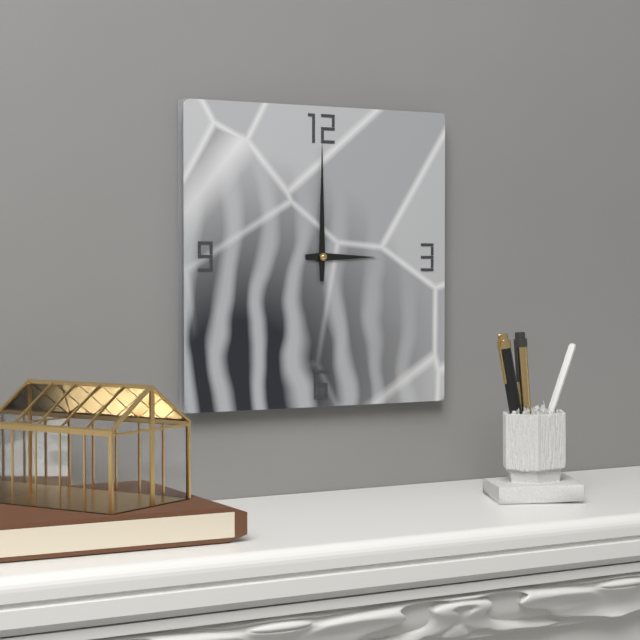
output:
3.00
